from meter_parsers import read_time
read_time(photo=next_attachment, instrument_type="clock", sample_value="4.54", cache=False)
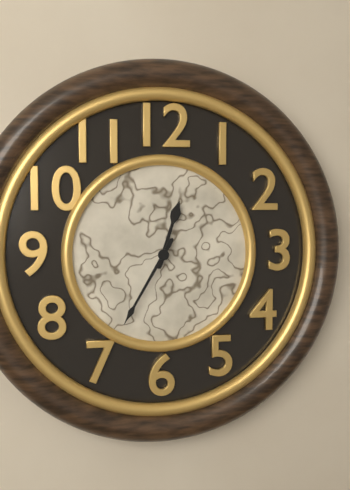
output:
12.35
